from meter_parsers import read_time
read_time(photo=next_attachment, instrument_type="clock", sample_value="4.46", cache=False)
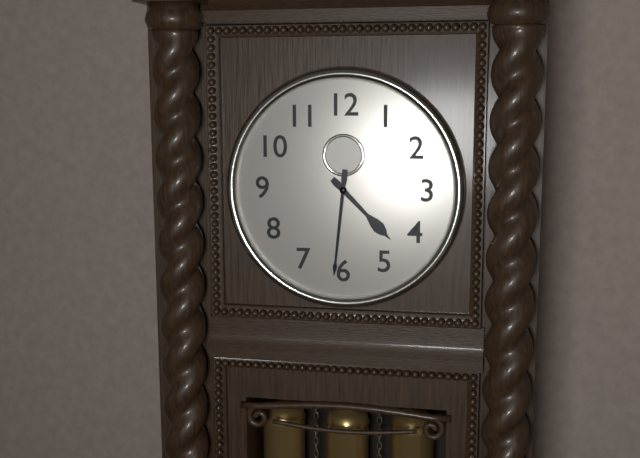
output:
4.31
